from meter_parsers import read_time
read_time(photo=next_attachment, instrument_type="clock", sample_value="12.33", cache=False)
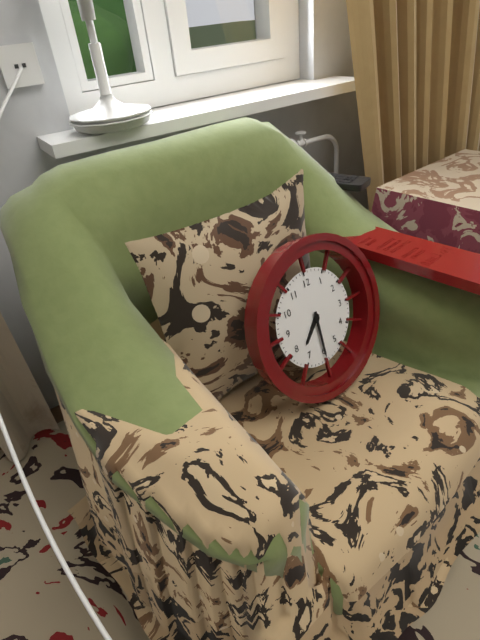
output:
7.30
